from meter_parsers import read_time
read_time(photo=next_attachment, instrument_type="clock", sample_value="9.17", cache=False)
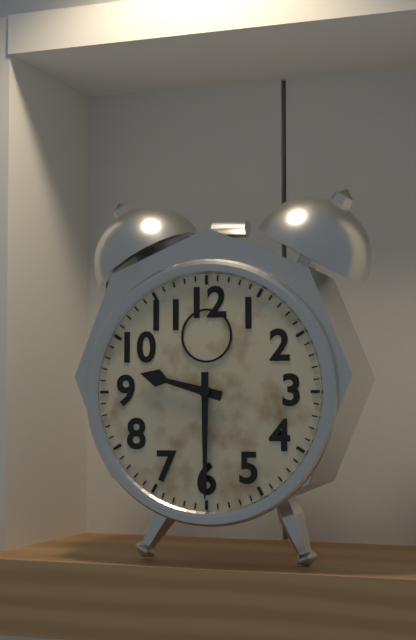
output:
9.30
